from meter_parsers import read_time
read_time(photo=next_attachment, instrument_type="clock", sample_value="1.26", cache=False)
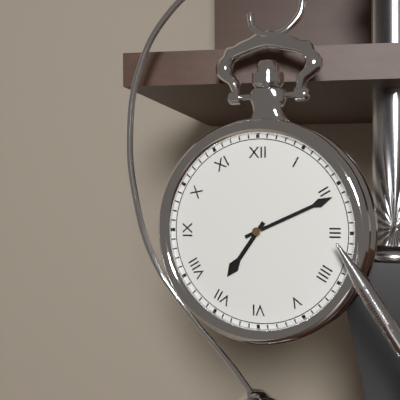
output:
7.11
